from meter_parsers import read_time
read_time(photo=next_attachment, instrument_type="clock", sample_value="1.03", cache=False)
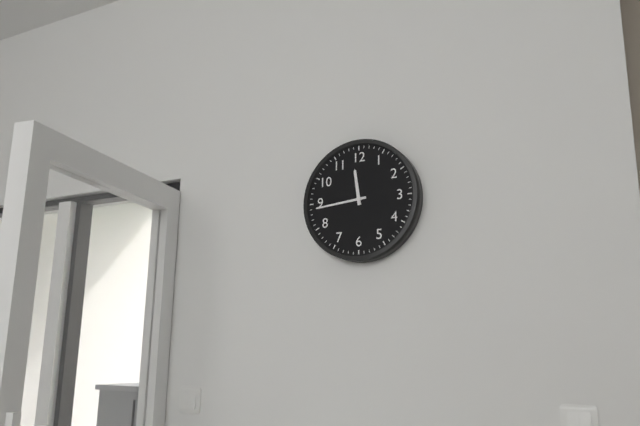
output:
11.44
